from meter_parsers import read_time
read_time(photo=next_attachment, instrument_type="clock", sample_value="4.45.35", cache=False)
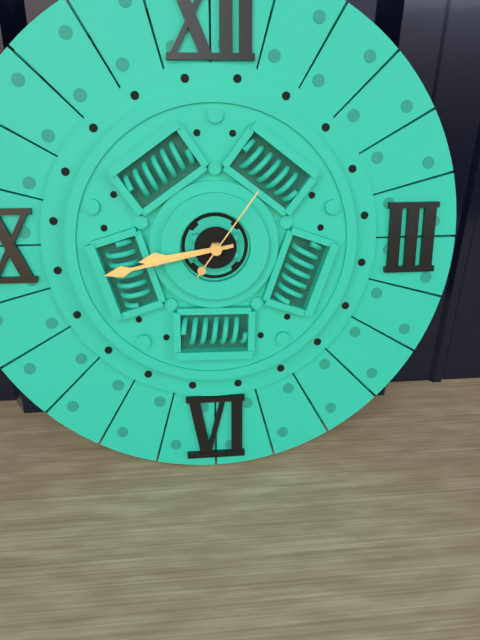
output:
8.43.06
